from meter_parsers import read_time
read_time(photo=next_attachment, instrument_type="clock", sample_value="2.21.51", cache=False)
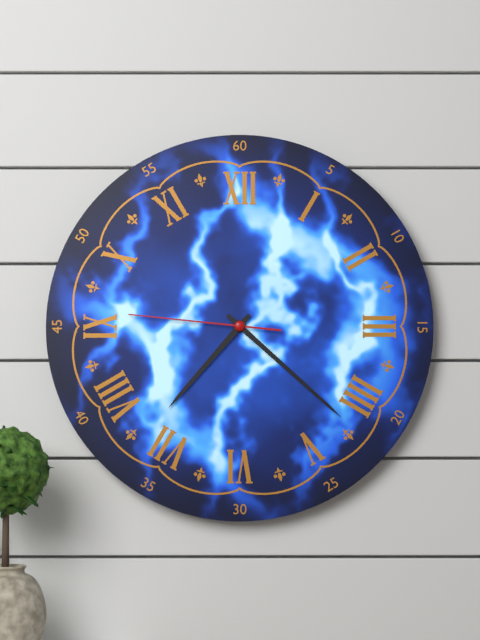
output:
7.22.46
